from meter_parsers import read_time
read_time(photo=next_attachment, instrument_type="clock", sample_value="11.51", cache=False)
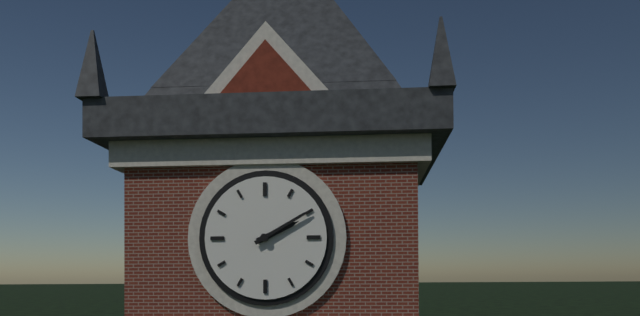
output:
2.10
